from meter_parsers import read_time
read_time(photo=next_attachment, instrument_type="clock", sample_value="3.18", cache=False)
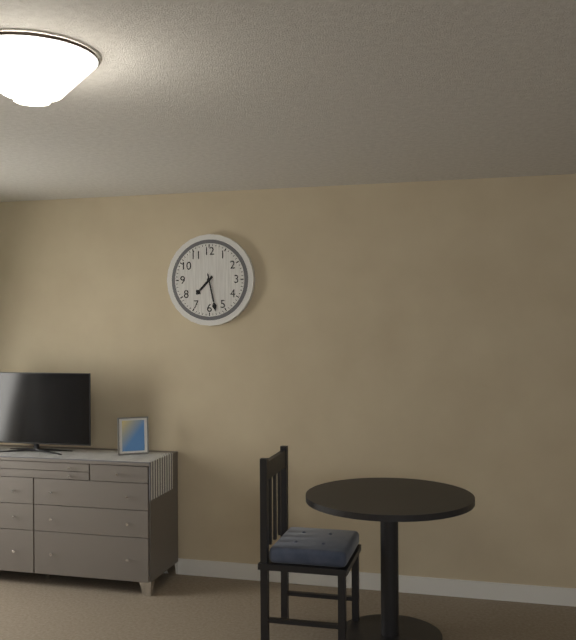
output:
7.28
